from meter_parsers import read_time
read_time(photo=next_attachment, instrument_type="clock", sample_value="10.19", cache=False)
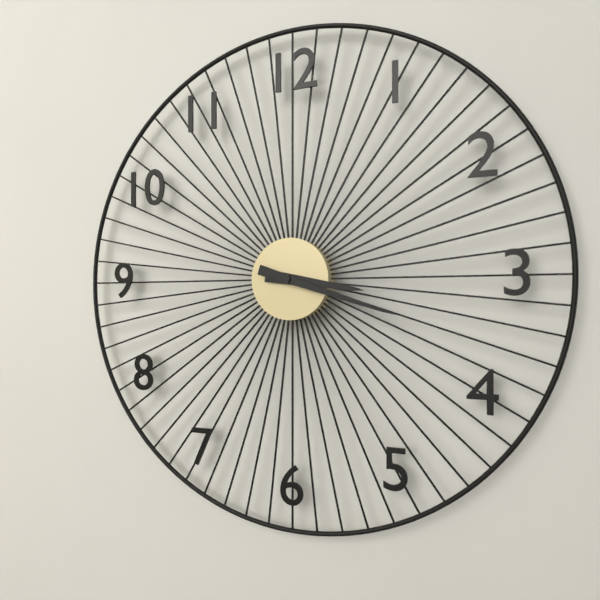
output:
3.18
